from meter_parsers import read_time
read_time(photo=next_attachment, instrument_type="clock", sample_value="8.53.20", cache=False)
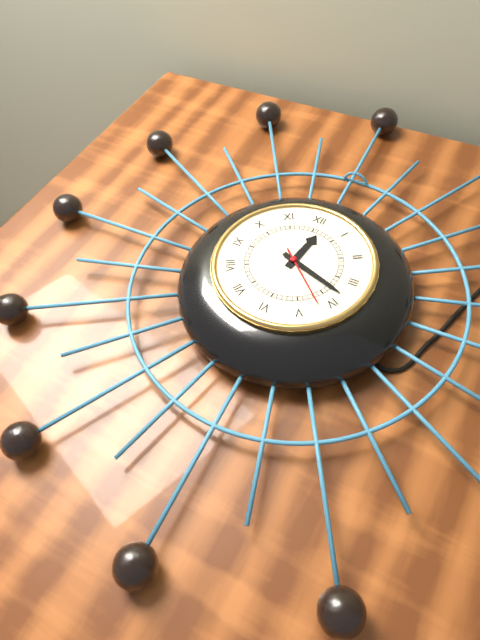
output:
12.18.22
